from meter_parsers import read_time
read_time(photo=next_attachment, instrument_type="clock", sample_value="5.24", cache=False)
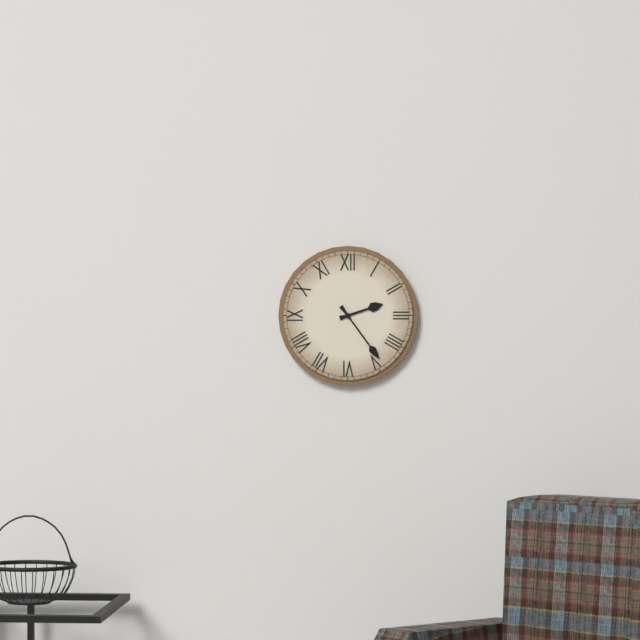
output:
2.24
